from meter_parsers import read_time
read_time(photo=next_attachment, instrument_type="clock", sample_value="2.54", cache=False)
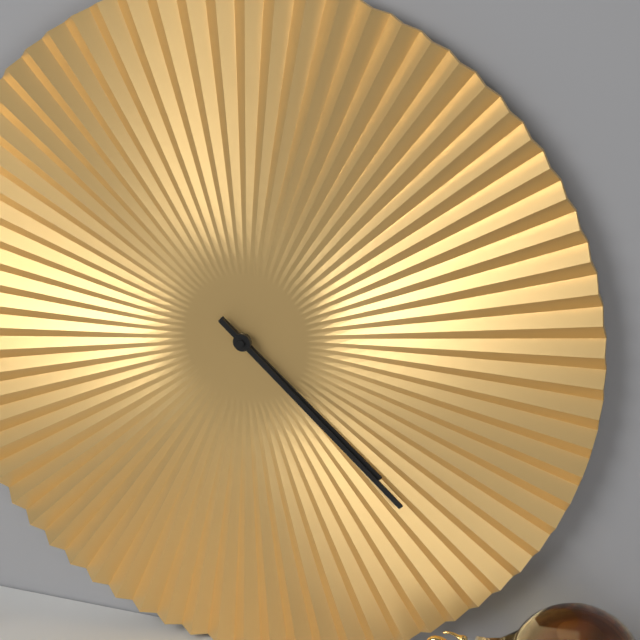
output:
4.22
